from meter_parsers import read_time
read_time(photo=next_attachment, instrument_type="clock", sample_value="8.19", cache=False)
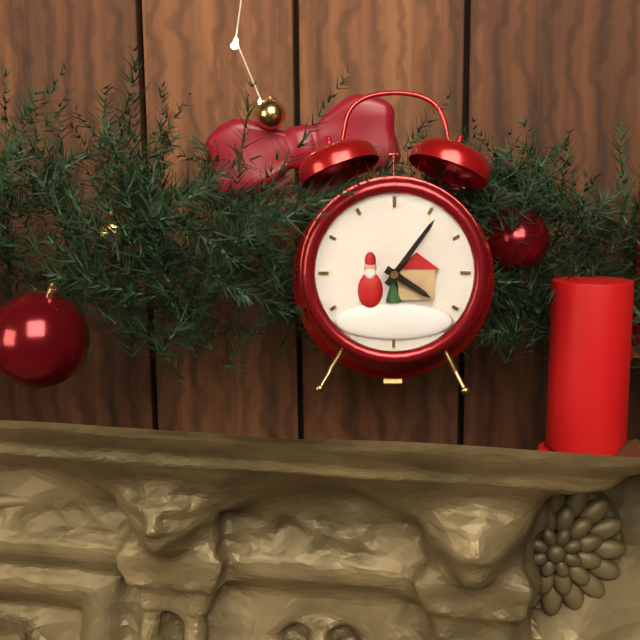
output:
4.06
